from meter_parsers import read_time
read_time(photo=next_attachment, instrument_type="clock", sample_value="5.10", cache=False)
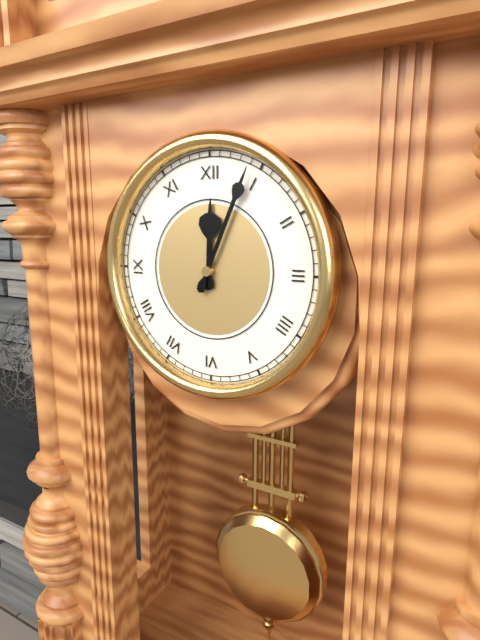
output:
12.04
